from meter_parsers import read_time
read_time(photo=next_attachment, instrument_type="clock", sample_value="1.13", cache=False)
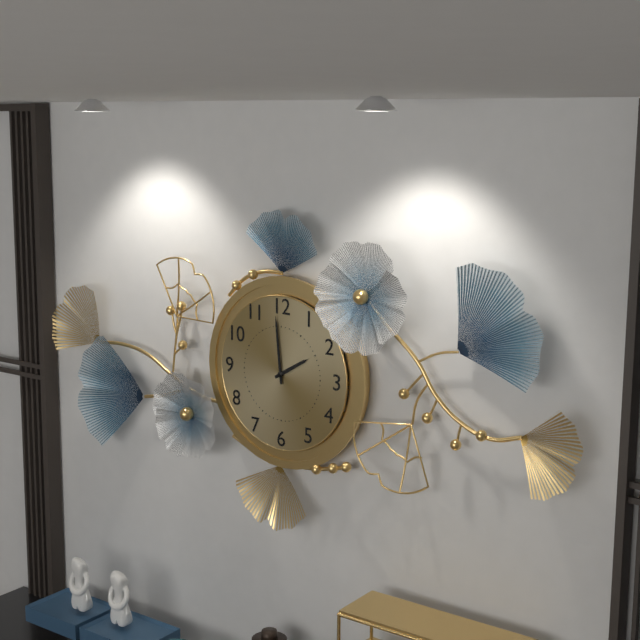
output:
1.59
